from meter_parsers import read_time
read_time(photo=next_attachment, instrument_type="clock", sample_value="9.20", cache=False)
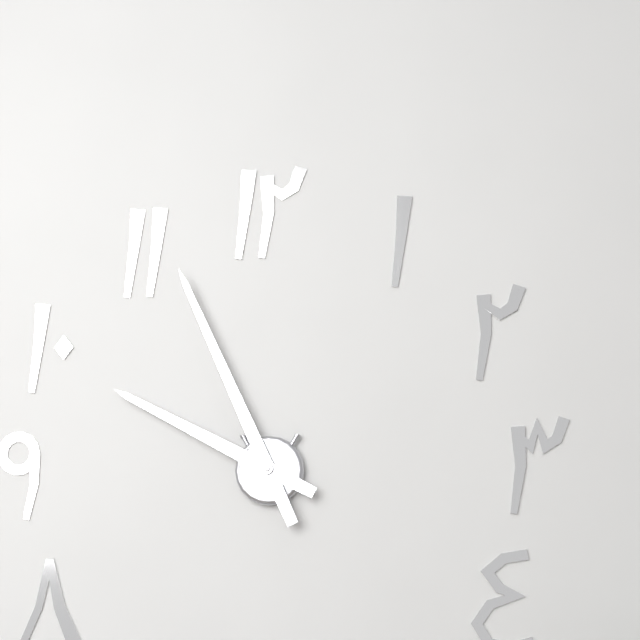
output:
9.56
